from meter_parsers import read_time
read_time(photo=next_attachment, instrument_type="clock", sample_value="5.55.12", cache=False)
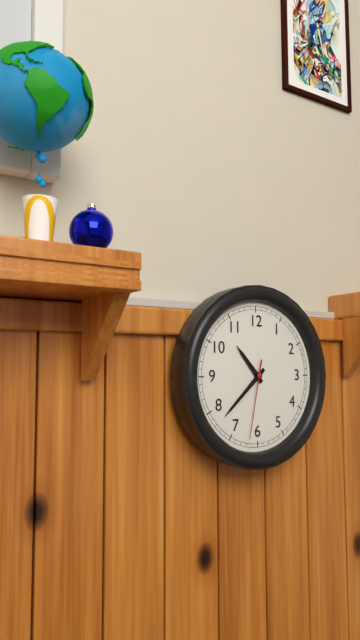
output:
10.38.32
